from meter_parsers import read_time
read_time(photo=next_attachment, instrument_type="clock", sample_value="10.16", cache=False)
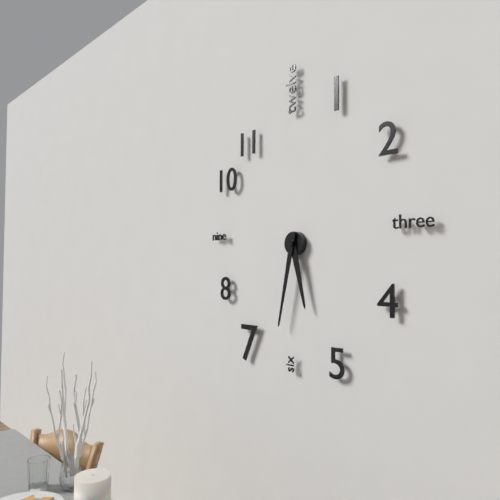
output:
5.32
